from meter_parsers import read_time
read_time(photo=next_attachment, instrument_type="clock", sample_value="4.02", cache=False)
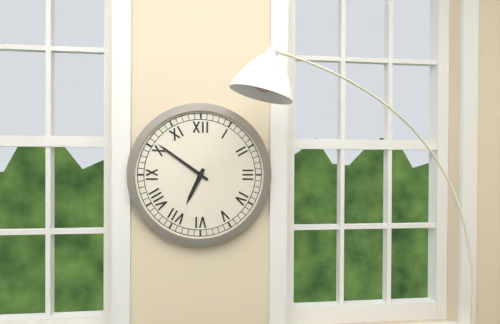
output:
6.51
